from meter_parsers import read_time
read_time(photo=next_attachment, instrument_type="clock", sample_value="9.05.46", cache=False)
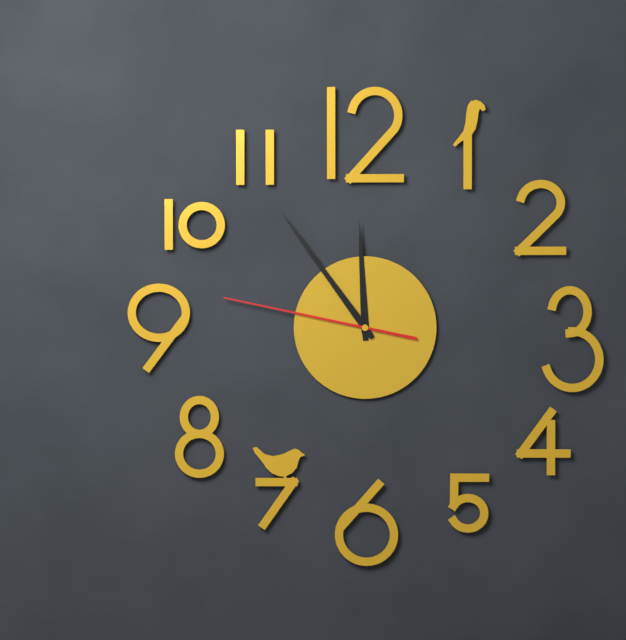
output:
11.54.47
